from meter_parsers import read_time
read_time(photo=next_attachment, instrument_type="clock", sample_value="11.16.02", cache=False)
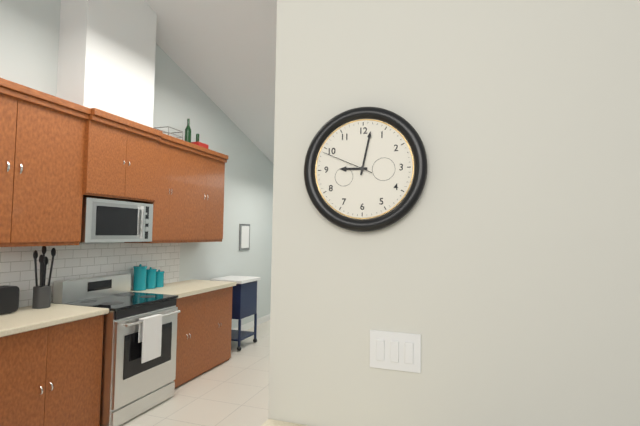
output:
9.02.49
